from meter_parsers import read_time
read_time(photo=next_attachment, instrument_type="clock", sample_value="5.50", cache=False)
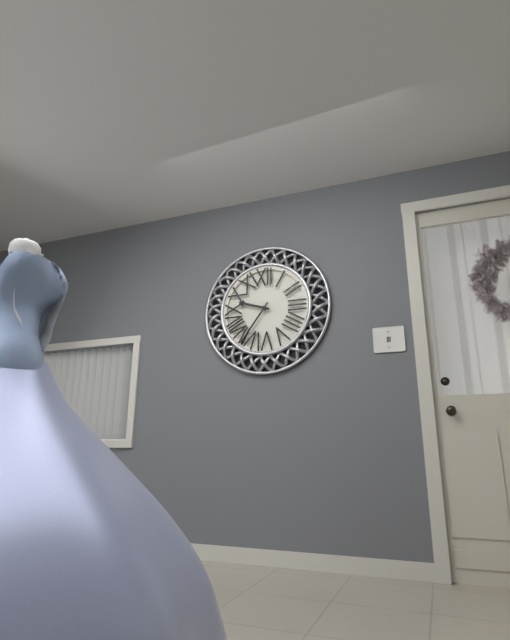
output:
9.36
